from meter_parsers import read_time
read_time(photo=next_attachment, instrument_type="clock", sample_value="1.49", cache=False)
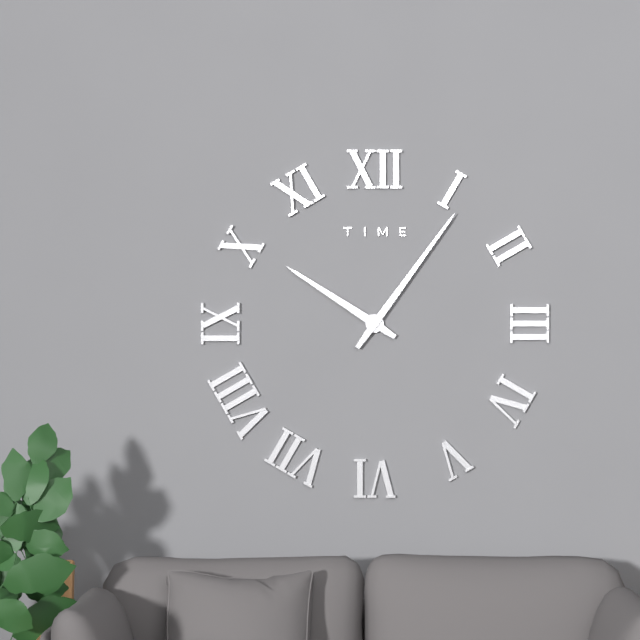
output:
10.06
